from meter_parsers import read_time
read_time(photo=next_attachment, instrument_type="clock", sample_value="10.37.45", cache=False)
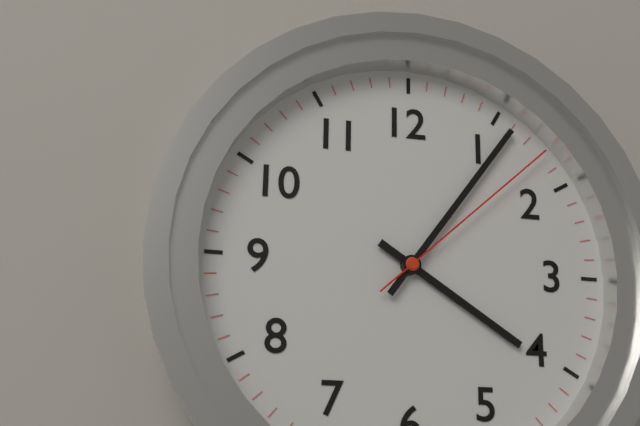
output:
4.06.08
